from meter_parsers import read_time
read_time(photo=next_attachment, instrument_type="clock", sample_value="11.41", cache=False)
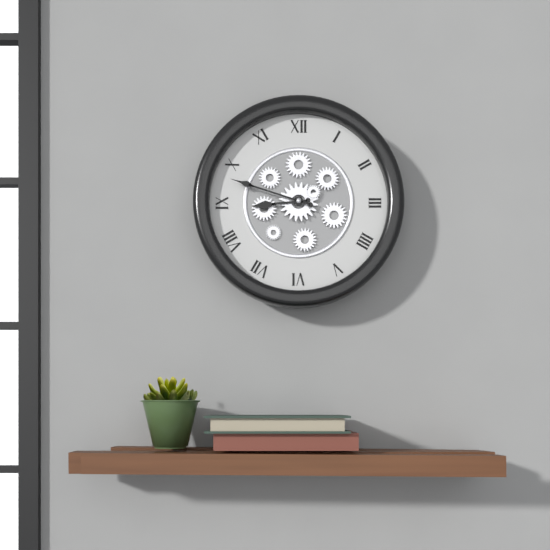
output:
8.48
